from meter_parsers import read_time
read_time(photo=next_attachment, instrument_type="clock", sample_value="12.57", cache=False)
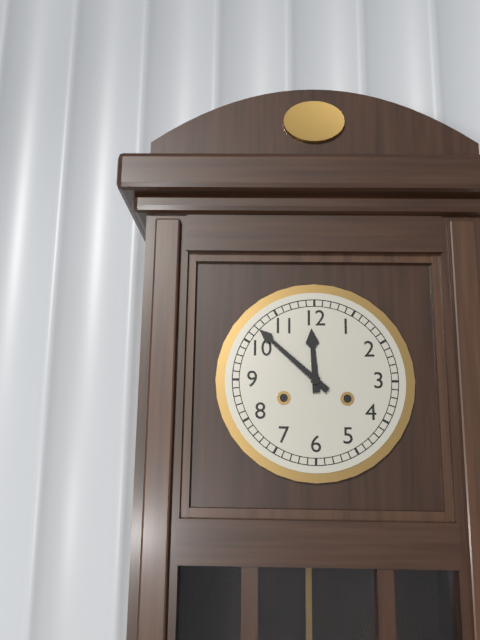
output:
11.52
